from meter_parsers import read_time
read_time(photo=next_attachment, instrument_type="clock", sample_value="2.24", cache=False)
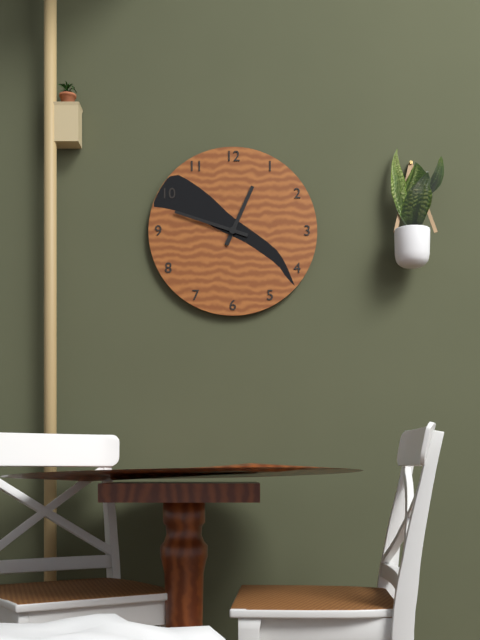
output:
12.48
